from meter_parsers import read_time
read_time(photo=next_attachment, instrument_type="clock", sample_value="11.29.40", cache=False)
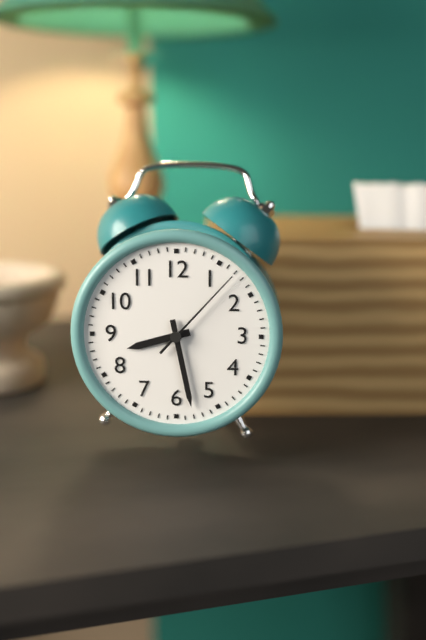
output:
8.28.07
